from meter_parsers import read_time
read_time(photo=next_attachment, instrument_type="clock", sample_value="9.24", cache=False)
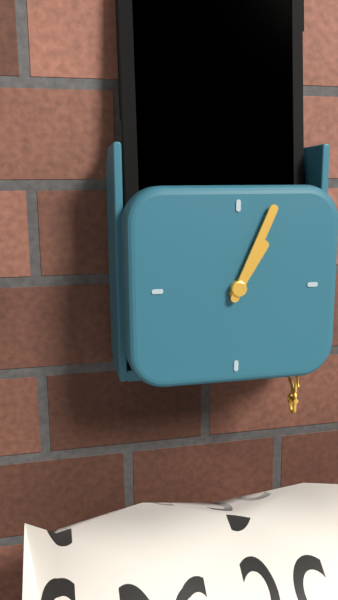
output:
1.04
